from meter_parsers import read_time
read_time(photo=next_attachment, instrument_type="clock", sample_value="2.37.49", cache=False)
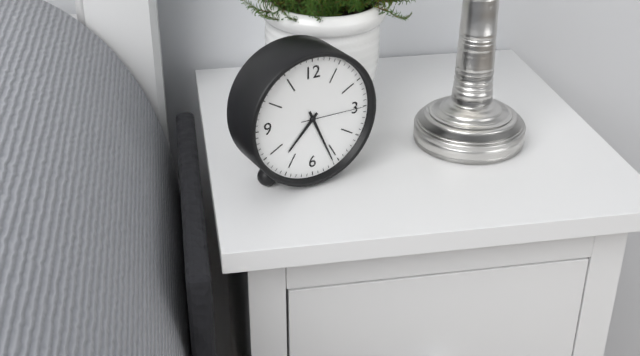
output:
7.26.15
